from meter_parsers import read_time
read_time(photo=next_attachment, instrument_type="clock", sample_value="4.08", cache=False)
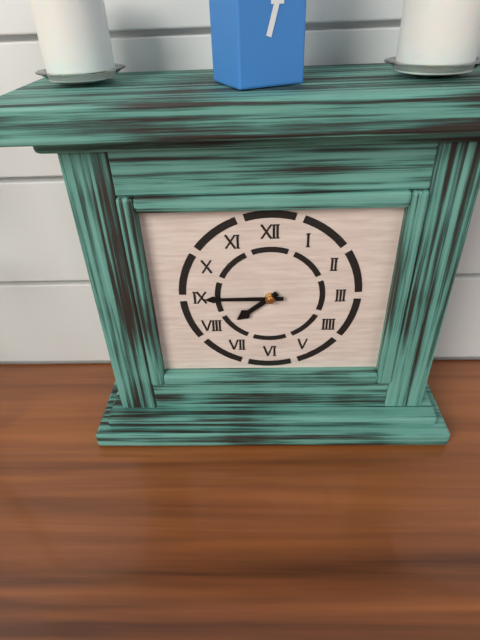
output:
7.45
